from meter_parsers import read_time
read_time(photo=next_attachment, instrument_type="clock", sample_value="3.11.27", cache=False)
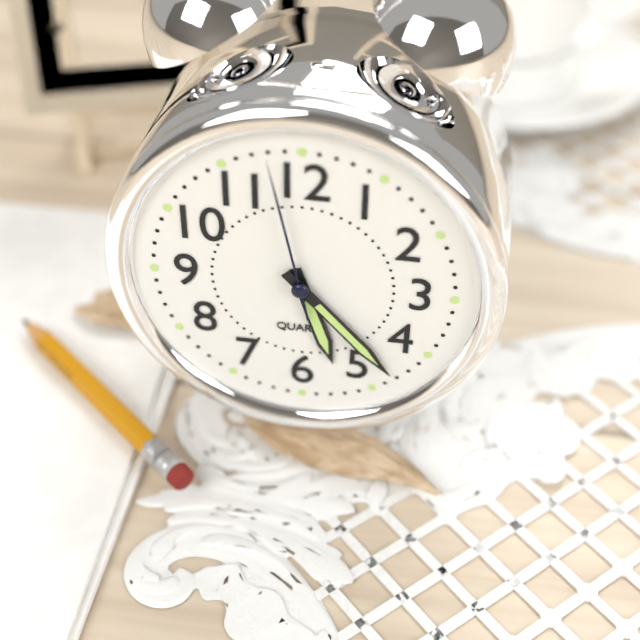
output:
5.23.58
